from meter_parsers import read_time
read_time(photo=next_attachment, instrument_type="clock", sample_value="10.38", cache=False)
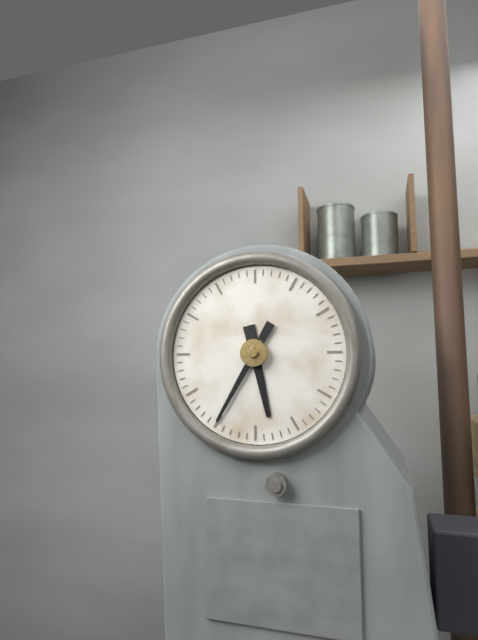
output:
5.35
